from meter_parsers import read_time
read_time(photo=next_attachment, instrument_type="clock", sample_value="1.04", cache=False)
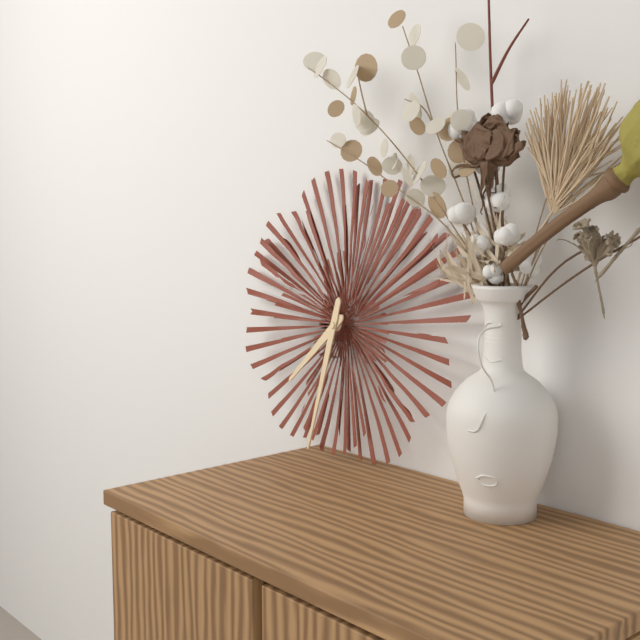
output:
7.32
